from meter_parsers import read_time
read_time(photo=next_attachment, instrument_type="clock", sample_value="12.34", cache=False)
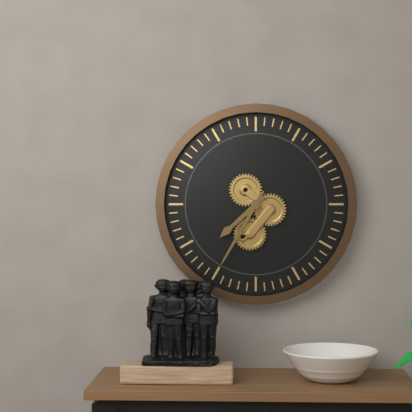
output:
7.35
